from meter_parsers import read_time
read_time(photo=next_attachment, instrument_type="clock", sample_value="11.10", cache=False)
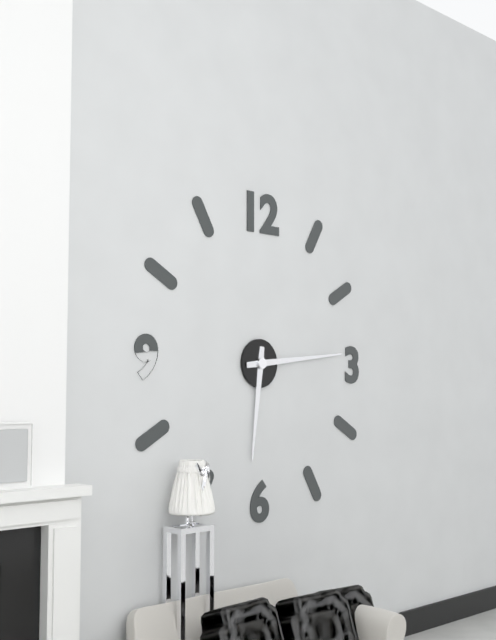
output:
6.14
